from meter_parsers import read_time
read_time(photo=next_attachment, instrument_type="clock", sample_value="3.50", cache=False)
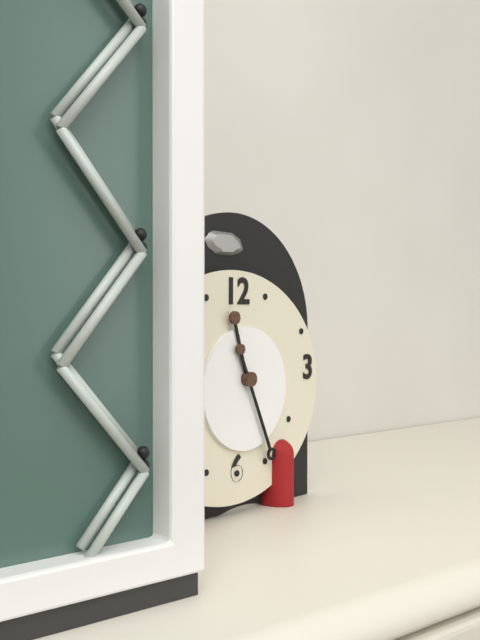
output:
11.26
